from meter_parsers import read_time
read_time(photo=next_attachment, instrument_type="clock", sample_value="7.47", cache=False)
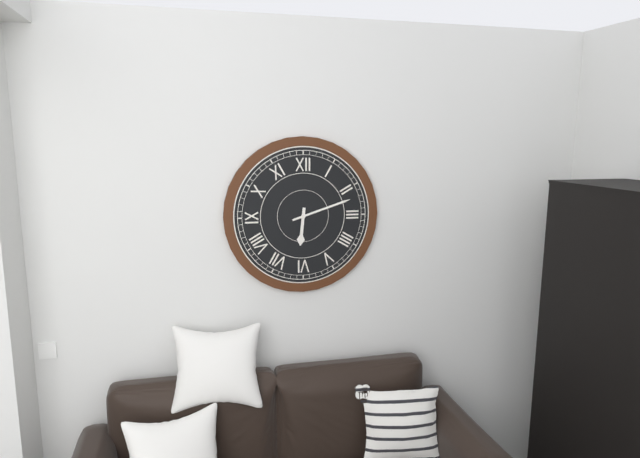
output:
6.12
